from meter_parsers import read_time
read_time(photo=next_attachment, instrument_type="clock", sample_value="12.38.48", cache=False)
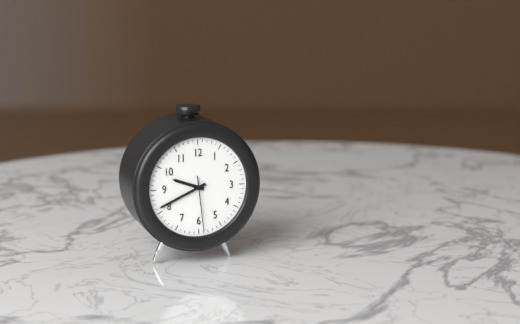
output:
9.41.29
